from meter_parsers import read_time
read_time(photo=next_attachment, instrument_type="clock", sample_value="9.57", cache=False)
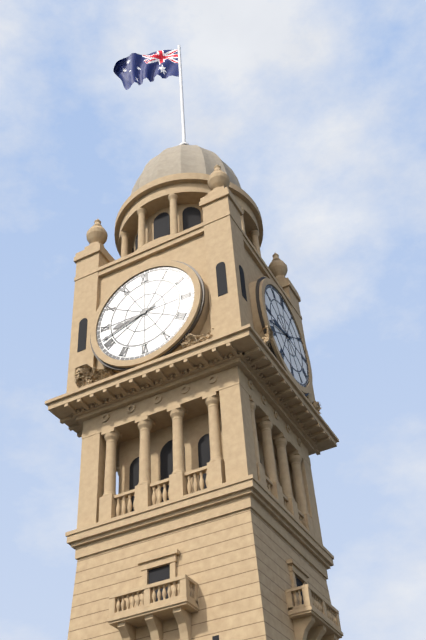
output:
8.42
